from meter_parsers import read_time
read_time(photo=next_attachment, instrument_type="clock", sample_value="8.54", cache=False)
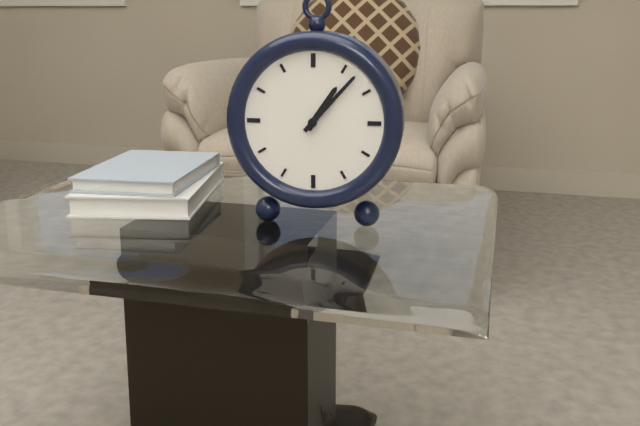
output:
1.07
